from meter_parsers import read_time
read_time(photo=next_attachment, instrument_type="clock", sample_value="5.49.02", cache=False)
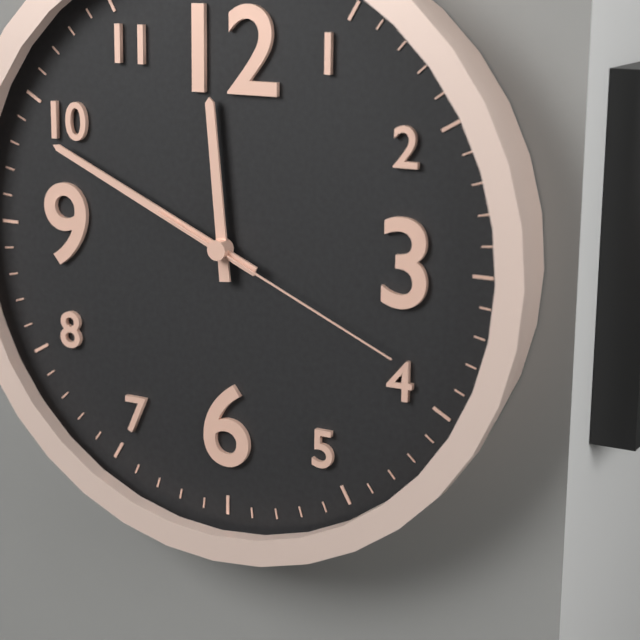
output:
11.49.19
